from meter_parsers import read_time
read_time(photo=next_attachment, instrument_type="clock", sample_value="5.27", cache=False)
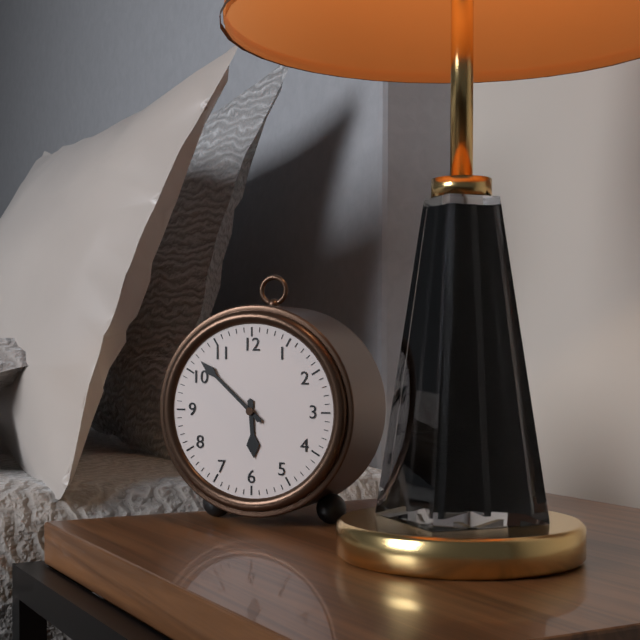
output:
5.52
